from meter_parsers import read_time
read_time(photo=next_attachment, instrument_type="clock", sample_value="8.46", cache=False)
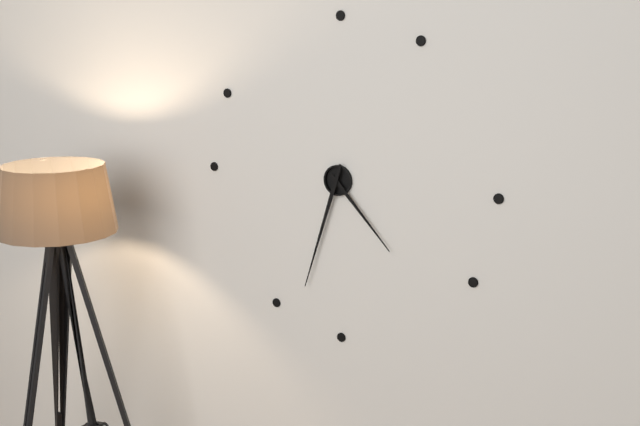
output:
4.33
